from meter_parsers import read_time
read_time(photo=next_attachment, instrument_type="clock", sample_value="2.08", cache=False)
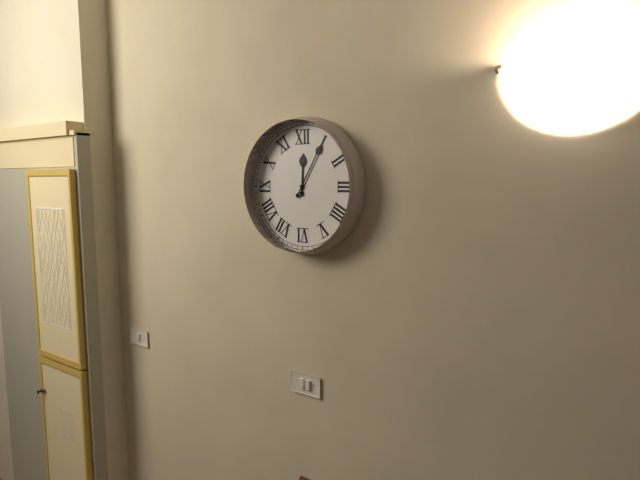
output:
12.05
